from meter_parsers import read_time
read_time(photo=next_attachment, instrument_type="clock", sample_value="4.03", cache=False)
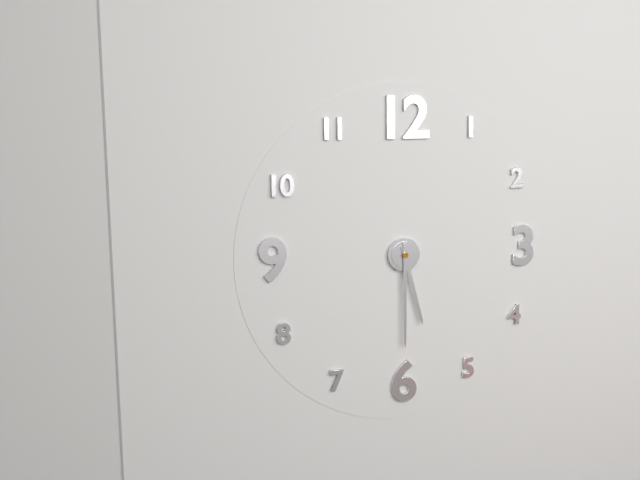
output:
5.30
